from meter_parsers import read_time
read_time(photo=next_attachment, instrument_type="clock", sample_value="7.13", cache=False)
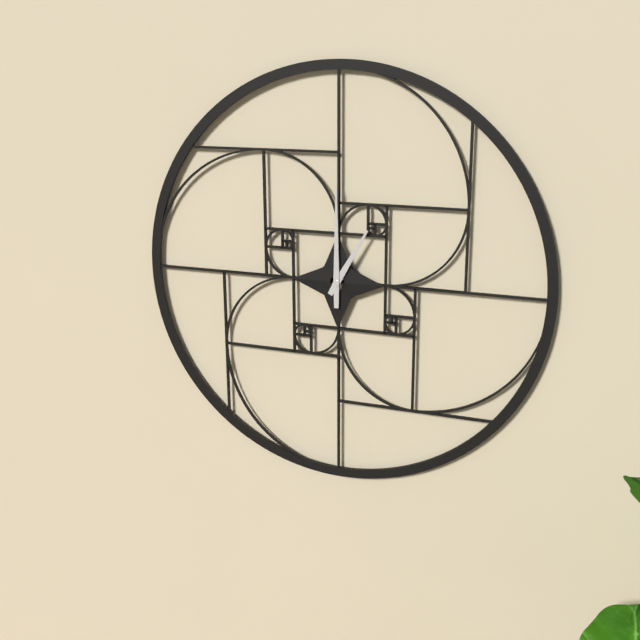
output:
1.00
